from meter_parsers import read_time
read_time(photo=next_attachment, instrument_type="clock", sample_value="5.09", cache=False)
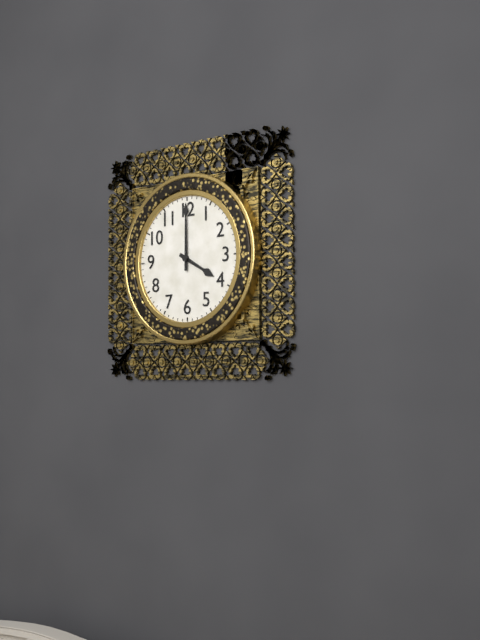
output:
4.00
